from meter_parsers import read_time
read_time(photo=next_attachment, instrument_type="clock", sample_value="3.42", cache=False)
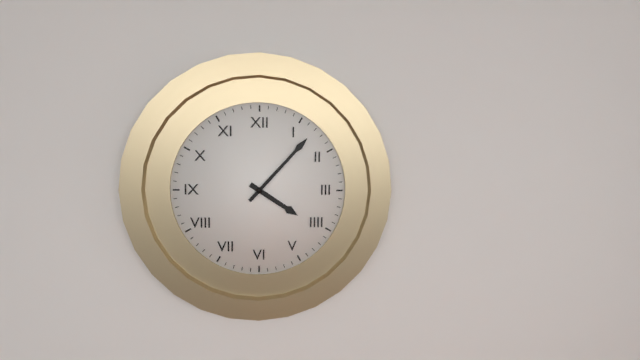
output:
4.07
